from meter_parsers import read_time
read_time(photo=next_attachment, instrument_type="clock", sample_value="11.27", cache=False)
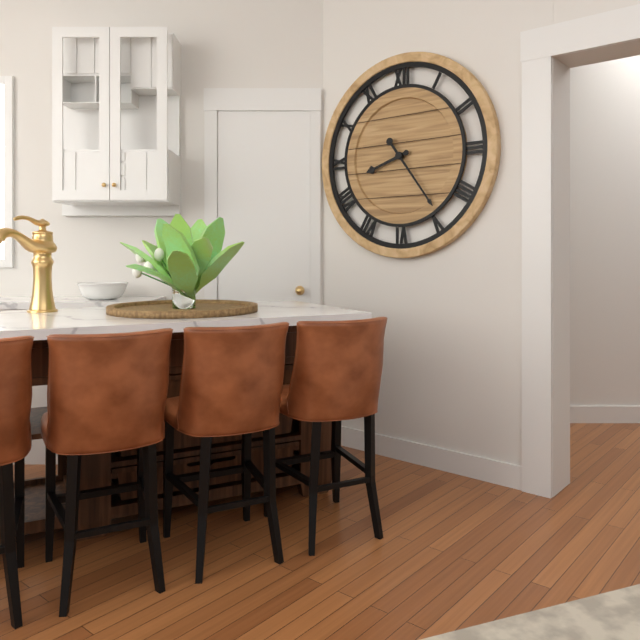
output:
8.24
